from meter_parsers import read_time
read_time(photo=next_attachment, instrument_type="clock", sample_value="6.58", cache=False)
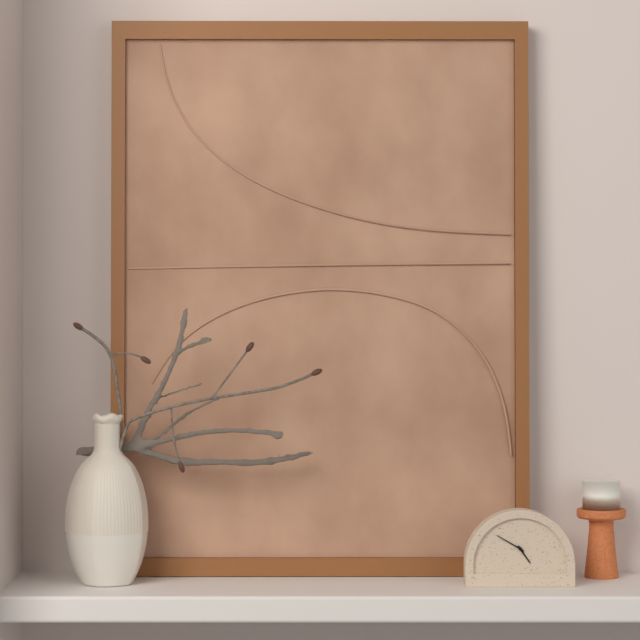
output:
4.50
